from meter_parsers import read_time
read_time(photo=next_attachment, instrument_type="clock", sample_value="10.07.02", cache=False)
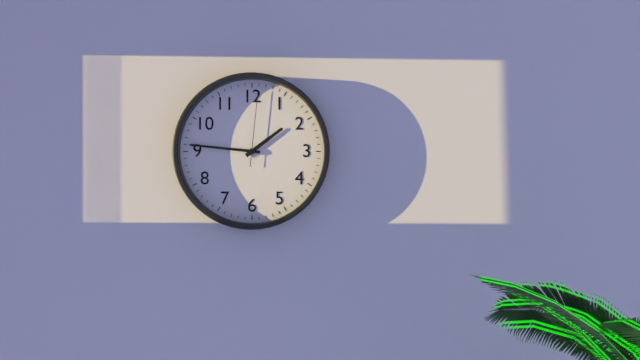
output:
1.46.01
